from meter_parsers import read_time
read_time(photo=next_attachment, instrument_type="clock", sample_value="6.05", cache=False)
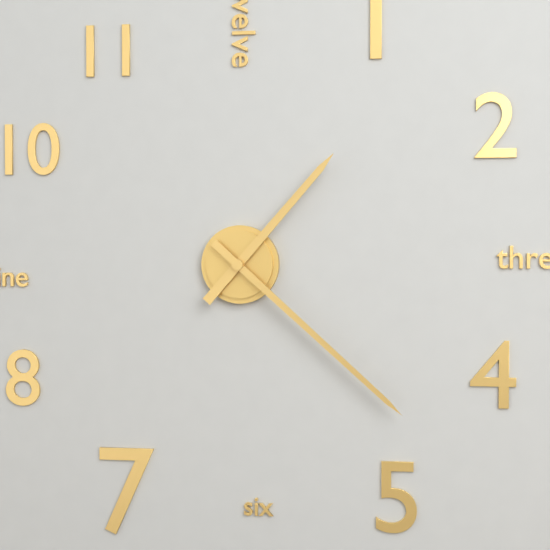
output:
1.22
